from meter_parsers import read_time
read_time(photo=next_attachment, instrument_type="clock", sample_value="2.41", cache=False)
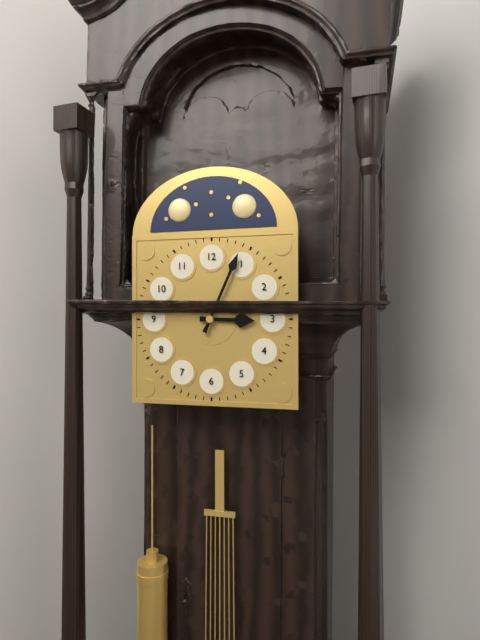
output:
3.04
